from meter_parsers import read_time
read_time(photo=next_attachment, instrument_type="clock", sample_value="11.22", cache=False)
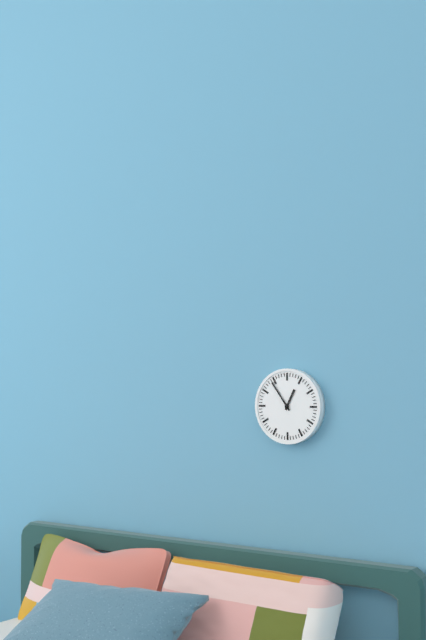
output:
12.54
